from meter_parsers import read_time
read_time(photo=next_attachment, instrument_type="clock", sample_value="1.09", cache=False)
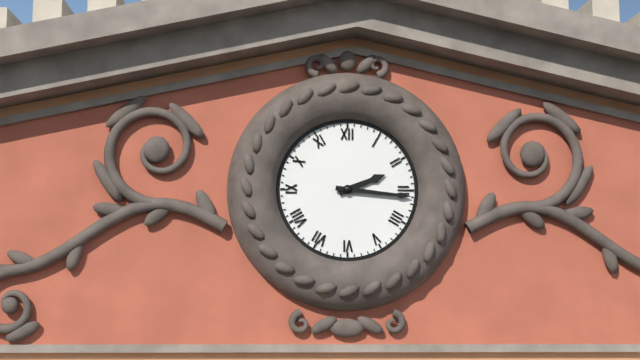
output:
2.16
